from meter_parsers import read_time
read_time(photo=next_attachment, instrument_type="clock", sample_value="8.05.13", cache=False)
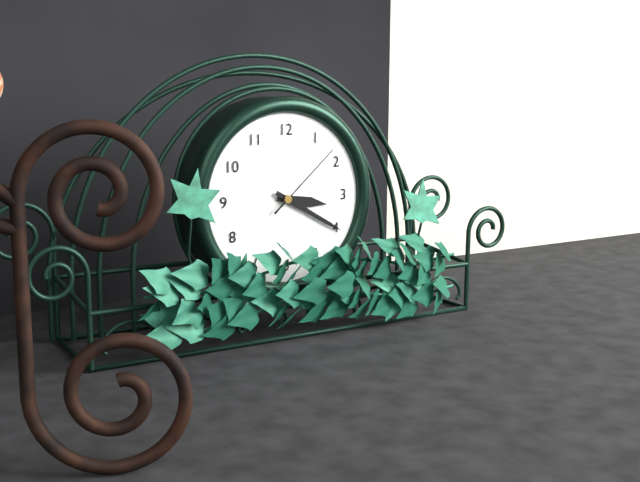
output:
3.20.08
